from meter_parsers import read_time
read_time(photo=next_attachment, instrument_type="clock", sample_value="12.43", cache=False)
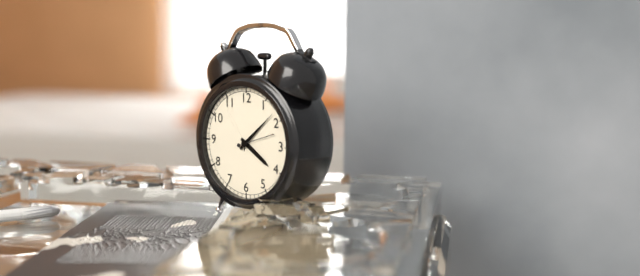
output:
4.08
